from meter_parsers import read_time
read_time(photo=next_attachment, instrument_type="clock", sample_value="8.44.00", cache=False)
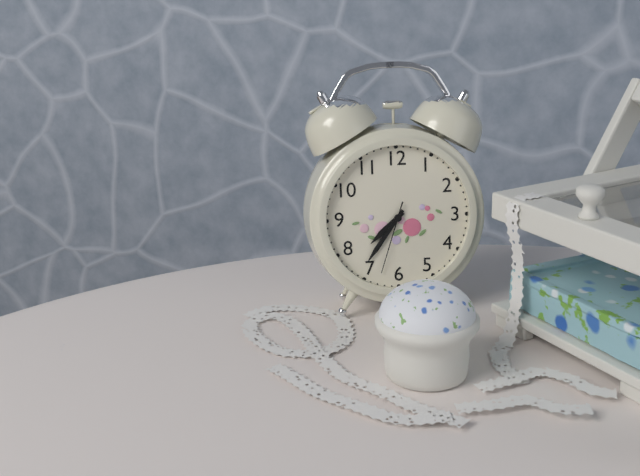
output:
7.36.33
